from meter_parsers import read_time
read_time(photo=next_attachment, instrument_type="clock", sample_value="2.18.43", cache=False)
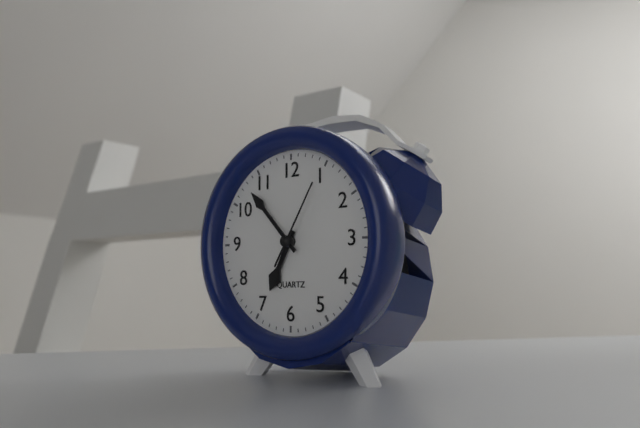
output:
6.53.05
